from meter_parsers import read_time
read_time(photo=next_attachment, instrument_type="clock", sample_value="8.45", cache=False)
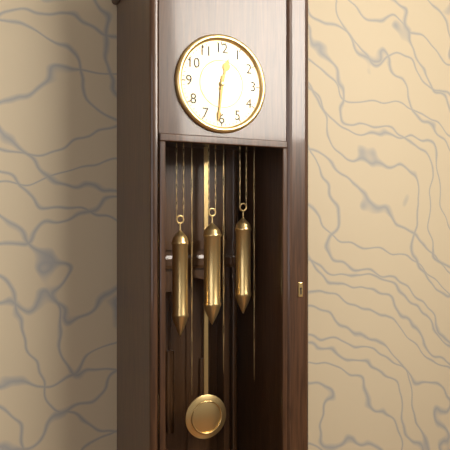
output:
12.31
